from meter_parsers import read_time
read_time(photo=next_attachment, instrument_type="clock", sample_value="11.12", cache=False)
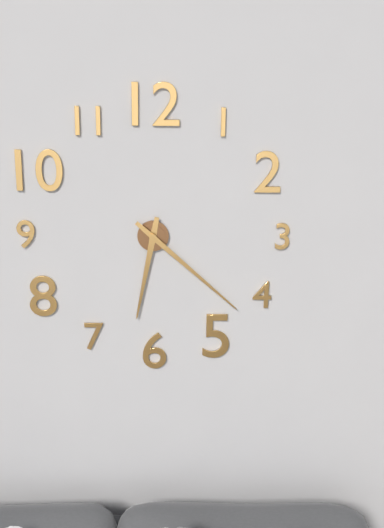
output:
6.22
